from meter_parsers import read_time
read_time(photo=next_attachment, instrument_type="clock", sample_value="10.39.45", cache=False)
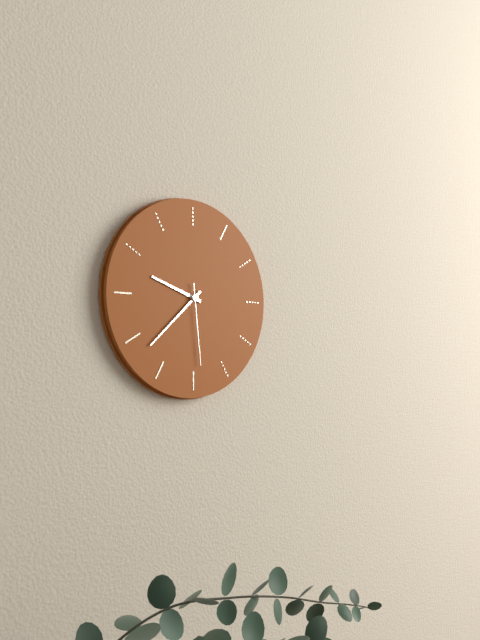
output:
9.38.29
